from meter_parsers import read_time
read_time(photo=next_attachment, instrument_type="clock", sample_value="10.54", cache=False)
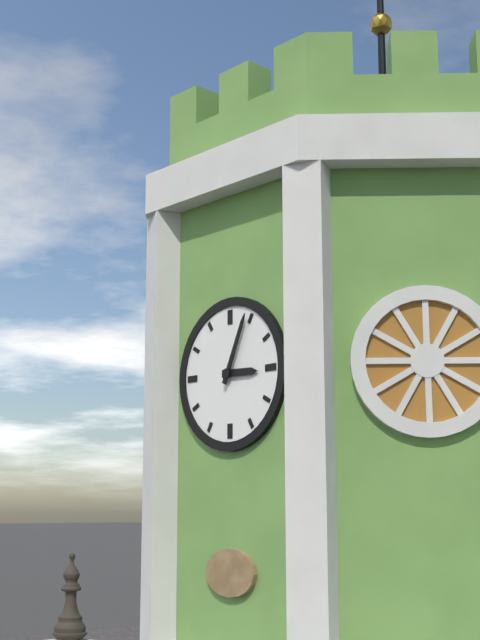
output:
3.04
